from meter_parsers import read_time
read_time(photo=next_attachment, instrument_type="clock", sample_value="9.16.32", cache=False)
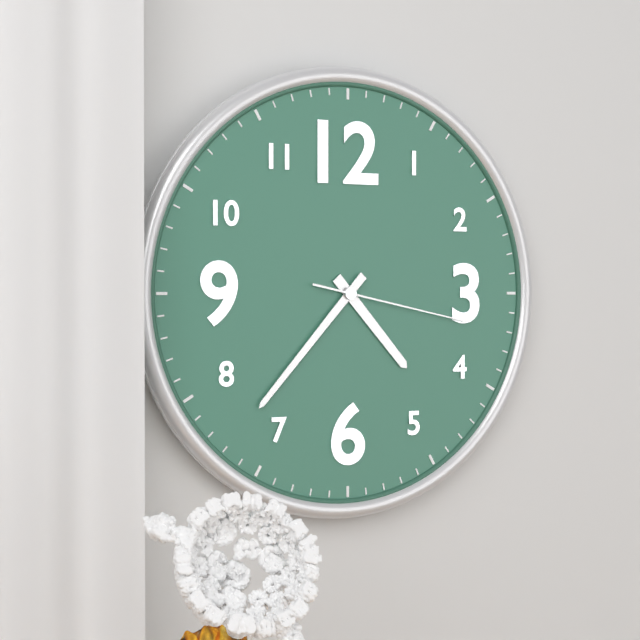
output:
4.37.17
